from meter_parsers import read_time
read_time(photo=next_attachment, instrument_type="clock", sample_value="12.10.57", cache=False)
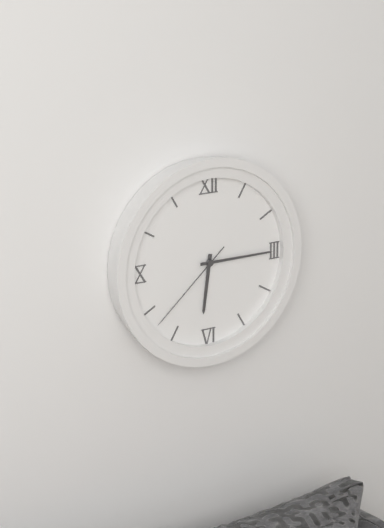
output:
6.15.38
